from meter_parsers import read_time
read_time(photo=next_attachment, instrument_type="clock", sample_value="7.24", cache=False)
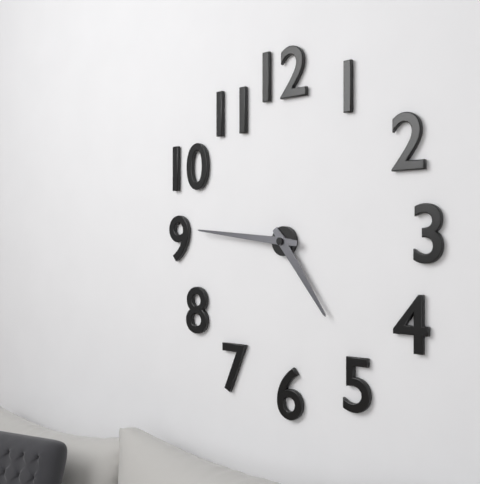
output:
4.46
